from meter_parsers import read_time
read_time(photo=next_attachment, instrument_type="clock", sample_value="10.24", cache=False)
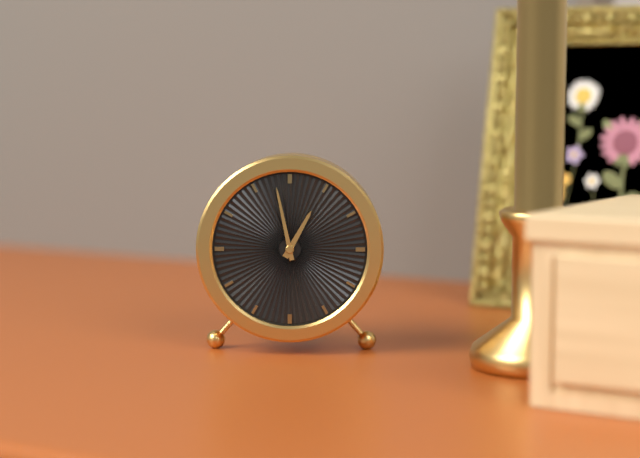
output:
12.58
